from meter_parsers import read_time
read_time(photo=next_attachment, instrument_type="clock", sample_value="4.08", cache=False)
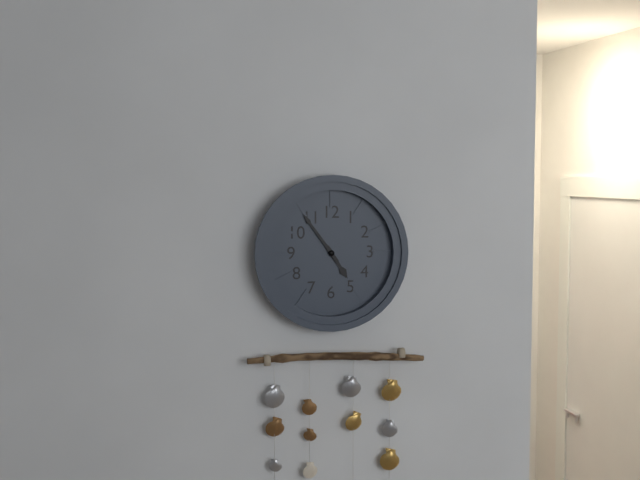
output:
4.54
